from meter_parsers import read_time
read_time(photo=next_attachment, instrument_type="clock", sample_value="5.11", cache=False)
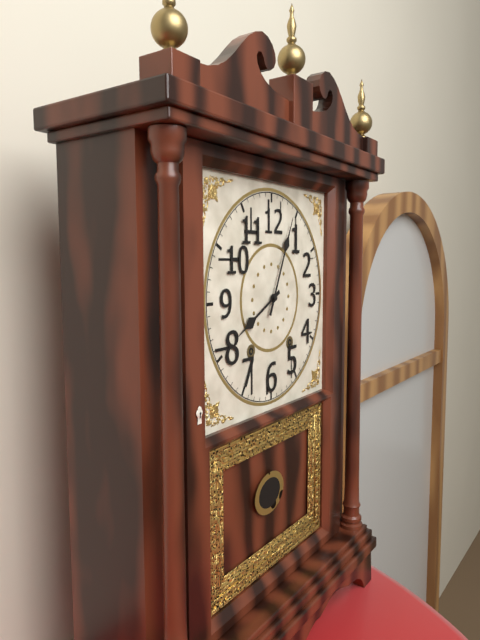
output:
8.04
